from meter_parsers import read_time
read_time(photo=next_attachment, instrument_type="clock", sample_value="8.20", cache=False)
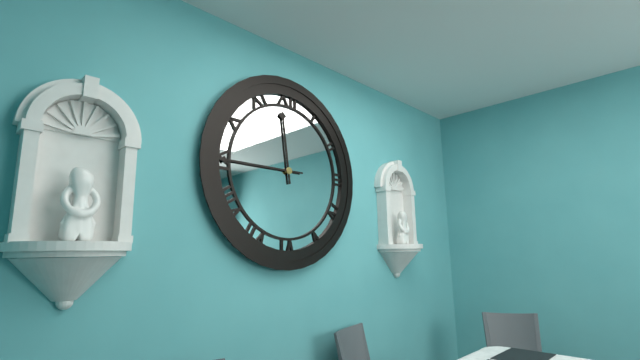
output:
11.45
